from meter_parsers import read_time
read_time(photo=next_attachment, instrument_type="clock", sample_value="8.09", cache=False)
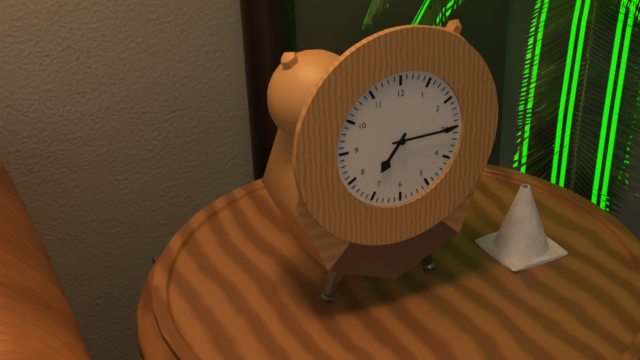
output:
7.15
